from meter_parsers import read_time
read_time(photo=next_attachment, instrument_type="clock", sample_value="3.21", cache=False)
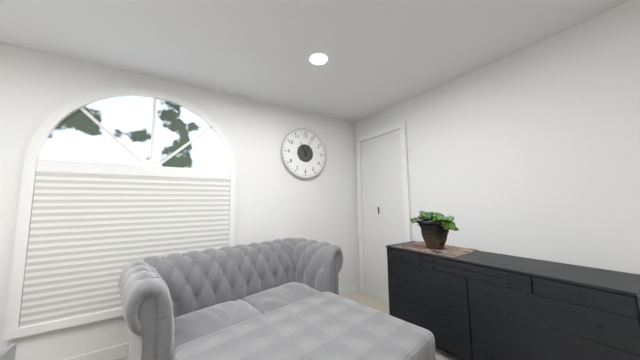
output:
11.04
